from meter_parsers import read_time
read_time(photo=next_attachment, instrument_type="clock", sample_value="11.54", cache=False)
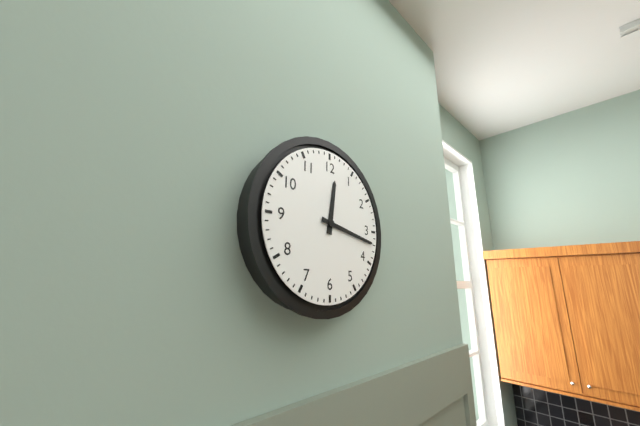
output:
12.17
